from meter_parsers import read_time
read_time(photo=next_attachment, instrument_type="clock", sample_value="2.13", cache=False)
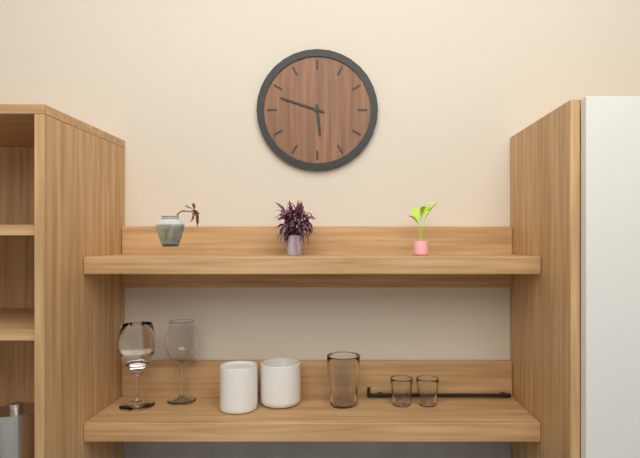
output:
5.48
